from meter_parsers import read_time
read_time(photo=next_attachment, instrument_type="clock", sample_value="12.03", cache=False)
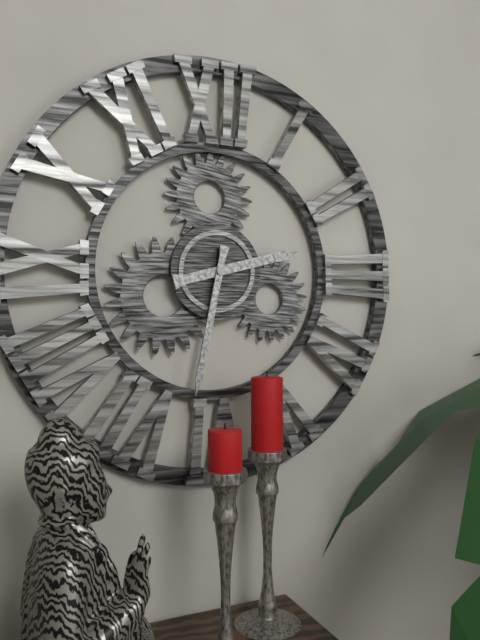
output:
2.32
